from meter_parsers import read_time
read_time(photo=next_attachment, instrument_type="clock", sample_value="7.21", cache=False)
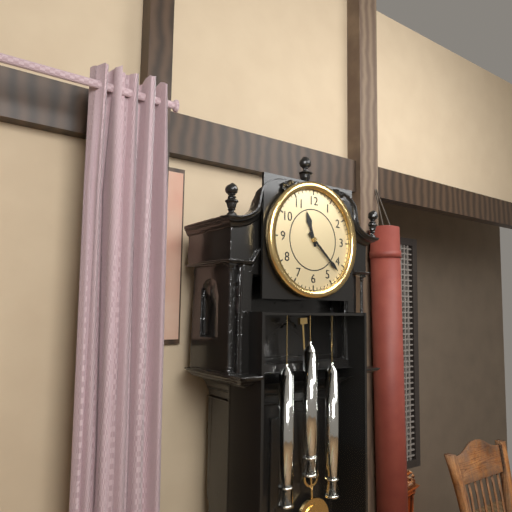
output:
11.22
